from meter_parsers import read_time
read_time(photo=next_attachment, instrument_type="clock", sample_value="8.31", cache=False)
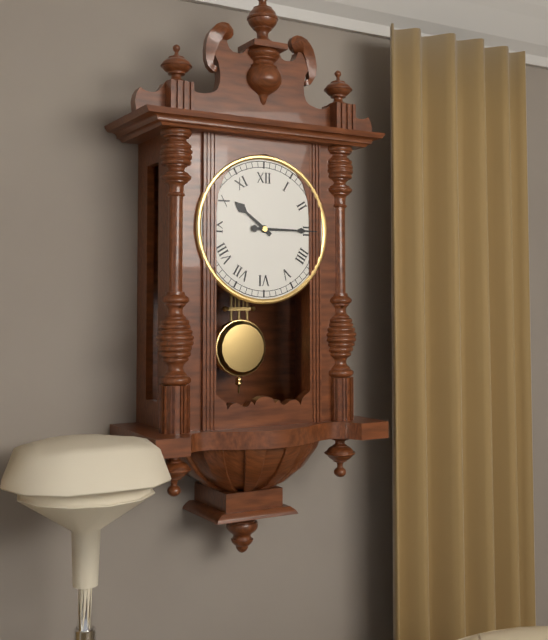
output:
10.15
